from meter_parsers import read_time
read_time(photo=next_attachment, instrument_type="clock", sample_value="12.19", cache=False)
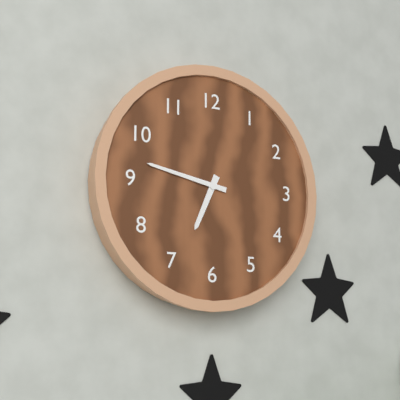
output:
6.47
